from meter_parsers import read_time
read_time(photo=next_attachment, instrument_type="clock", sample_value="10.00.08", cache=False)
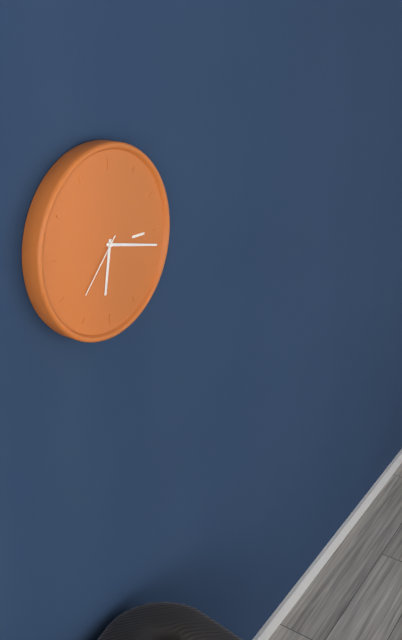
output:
6.17.37
